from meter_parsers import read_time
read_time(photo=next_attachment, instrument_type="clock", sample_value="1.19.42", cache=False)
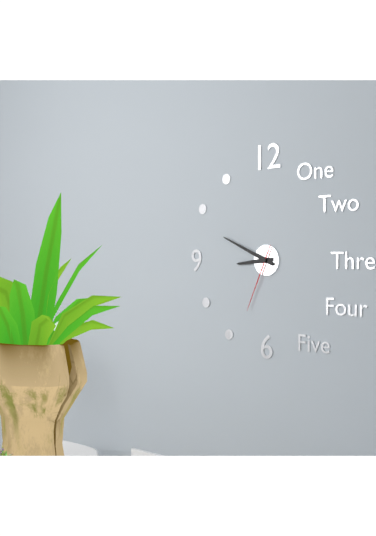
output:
8.49.34
